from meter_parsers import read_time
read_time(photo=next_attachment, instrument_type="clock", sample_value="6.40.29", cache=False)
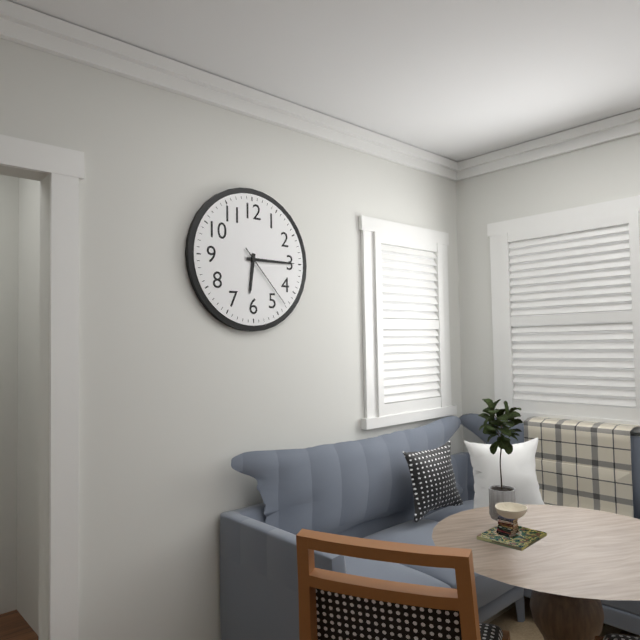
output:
6.15.23
